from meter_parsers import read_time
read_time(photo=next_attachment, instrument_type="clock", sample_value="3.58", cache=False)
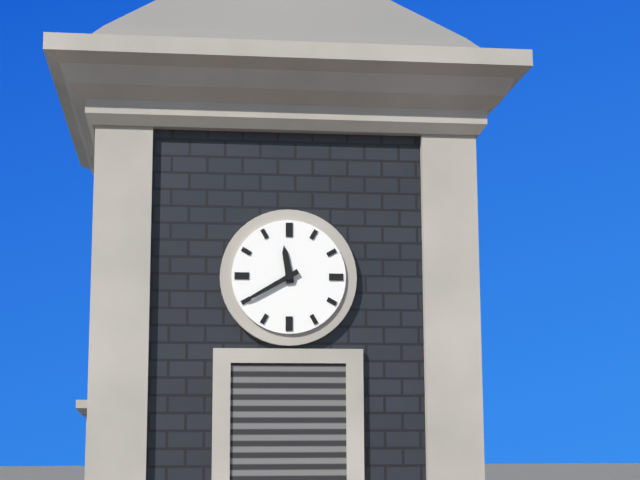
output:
11.40
